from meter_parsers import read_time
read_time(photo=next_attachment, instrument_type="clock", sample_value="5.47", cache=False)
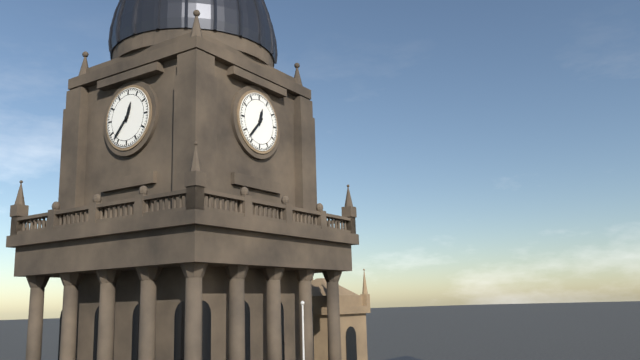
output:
12.37
